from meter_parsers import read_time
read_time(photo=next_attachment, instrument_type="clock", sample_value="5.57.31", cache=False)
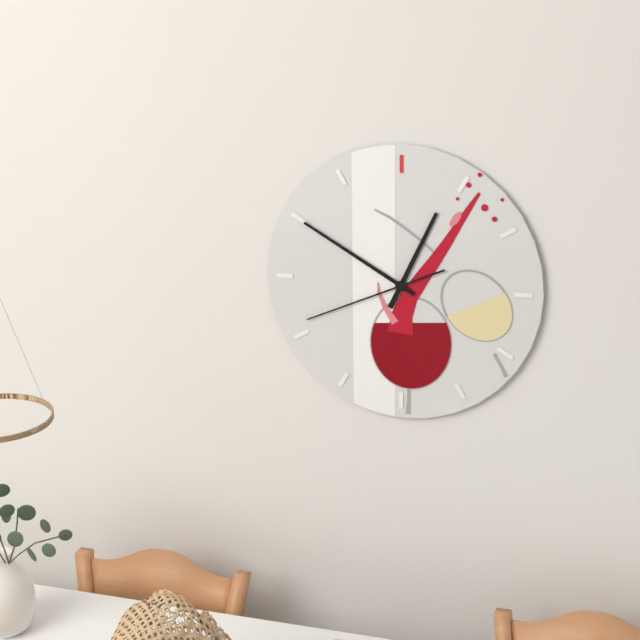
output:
12.50.41
